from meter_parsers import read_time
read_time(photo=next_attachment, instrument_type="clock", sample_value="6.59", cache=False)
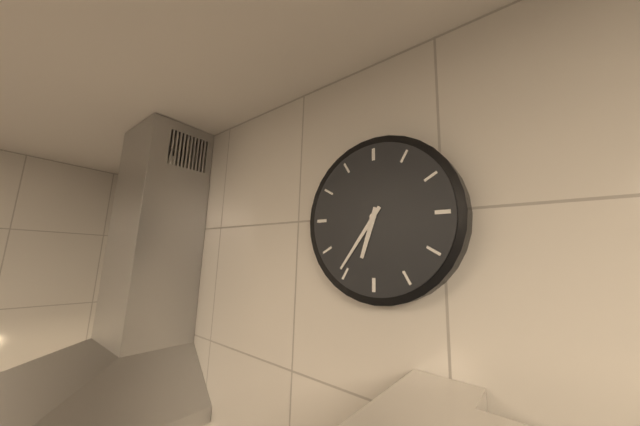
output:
6.36
